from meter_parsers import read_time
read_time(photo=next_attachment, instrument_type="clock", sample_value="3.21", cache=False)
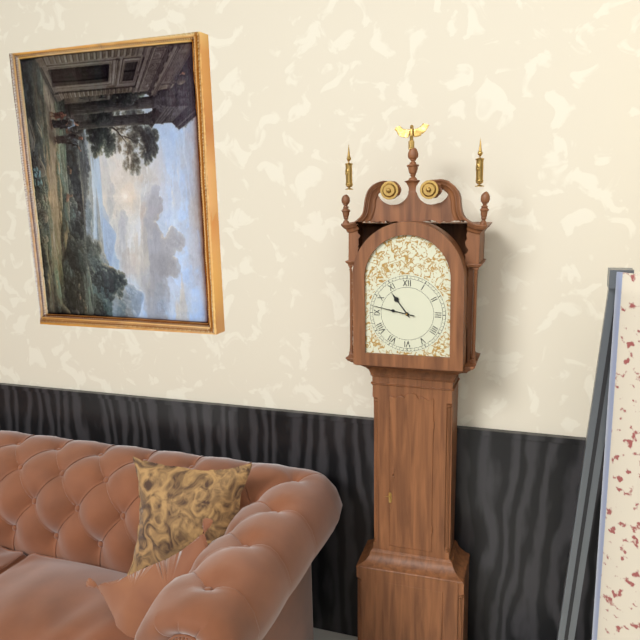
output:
10.47
